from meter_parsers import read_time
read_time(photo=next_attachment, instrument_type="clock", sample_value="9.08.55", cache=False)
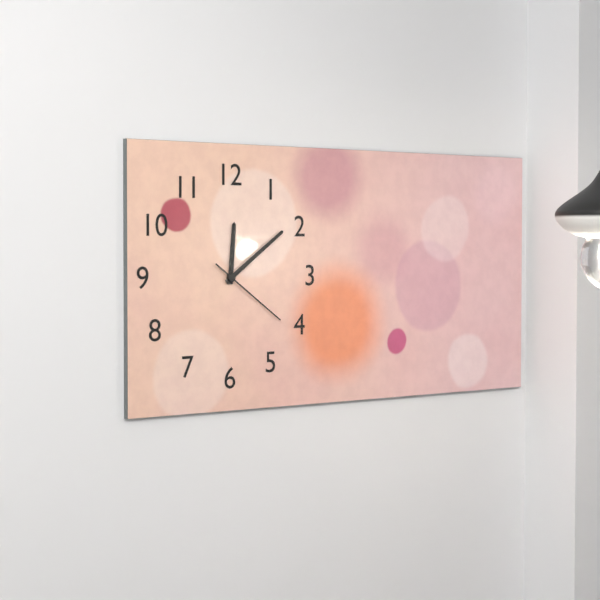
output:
12.09.21
